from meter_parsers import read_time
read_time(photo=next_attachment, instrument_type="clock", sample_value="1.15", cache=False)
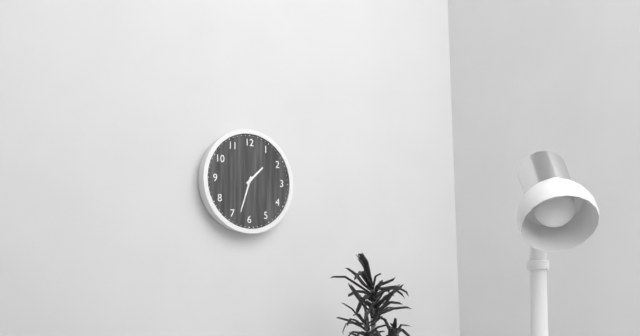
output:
1.33
